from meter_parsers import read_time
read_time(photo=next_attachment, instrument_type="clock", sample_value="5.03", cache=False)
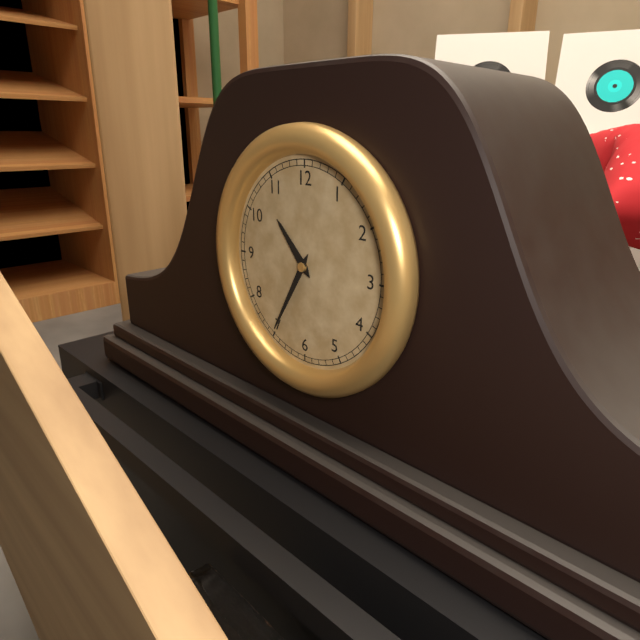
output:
10.35
